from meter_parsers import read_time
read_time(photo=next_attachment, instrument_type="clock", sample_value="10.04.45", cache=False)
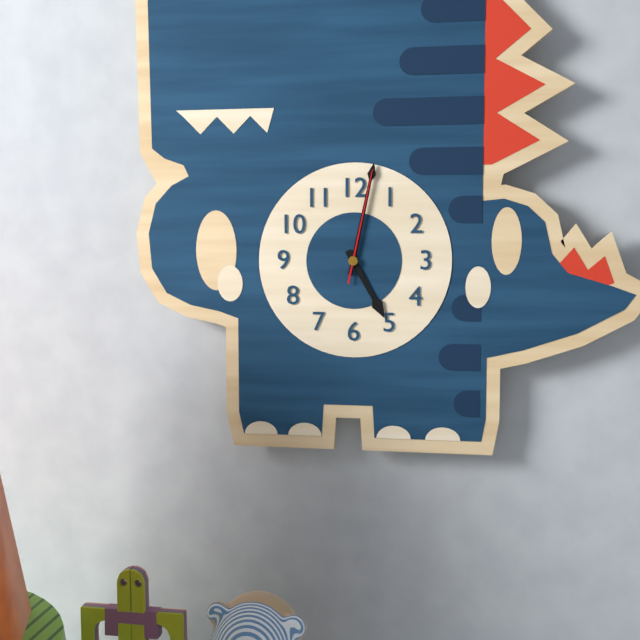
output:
5.02.02
